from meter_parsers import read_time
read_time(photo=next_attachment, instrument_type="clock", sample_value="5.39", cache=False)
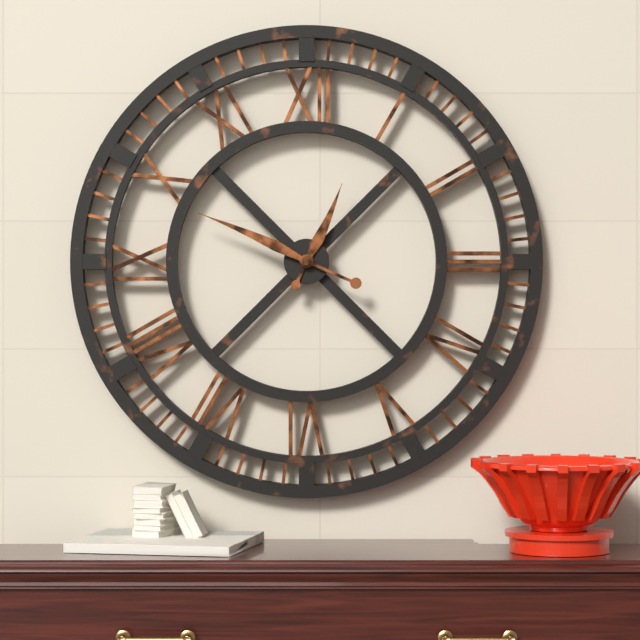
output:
12.49
